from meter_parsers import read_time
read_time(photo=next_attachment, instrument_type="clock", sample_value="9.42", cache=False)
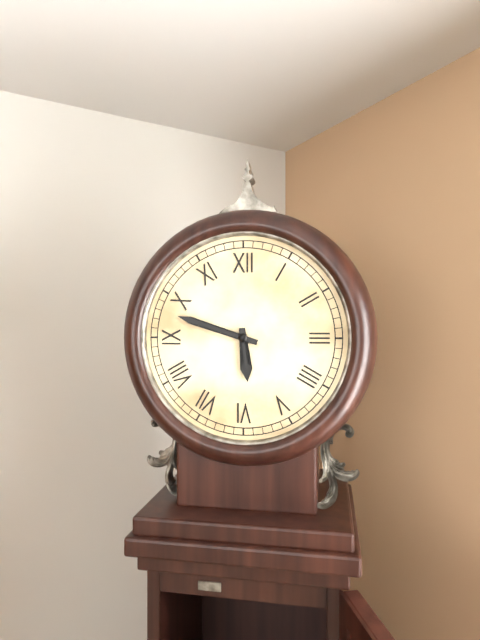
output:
5.48
